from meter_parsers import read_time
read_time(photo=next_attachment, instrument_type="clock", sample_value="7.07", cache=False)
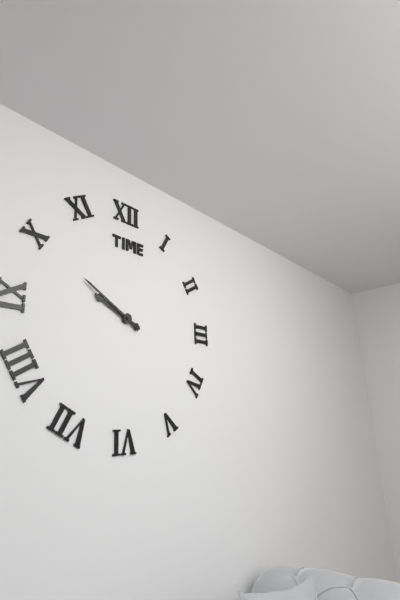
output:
9.50
